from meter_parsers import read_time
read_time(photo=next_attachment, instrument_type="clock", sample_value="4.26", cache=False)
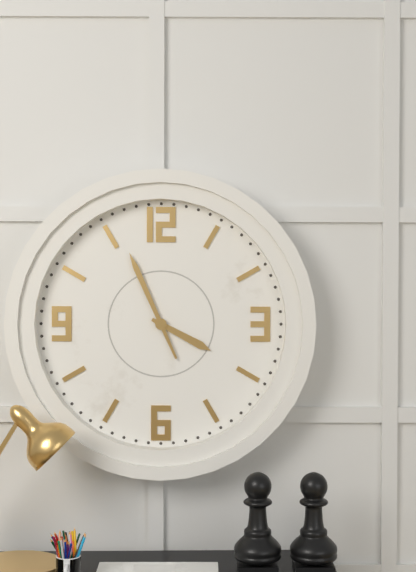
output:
3.56
